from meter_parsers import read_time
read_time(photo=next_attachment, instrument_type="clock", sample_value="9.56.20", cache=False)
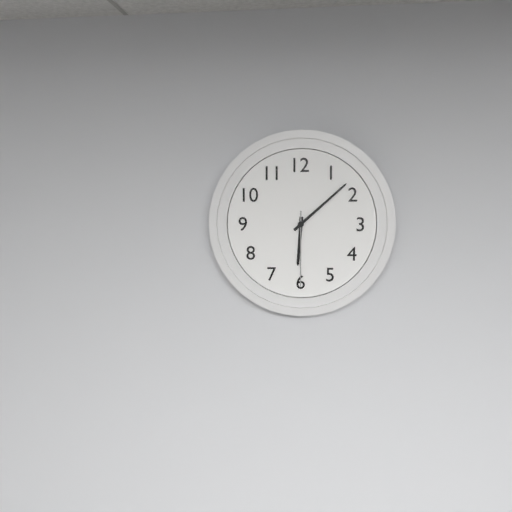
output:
6.08.30
